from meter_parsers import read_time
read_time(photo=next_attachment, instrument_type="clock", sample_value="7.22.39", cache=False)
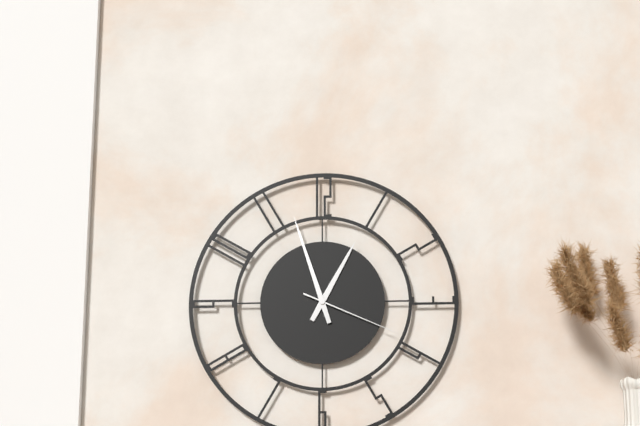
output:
12.57.19
